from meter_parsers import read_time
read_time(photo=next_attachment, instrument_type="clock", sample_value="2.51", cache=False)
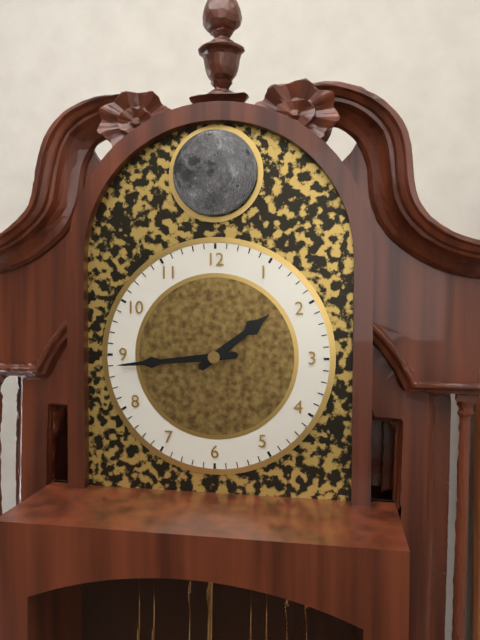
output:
1.44
